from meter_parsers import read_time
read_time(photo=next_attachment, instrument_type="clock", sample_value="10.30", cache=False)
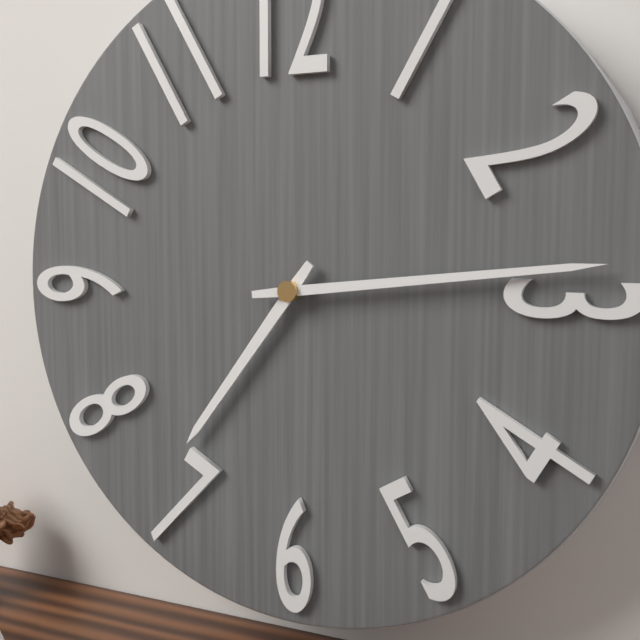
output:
7.14
